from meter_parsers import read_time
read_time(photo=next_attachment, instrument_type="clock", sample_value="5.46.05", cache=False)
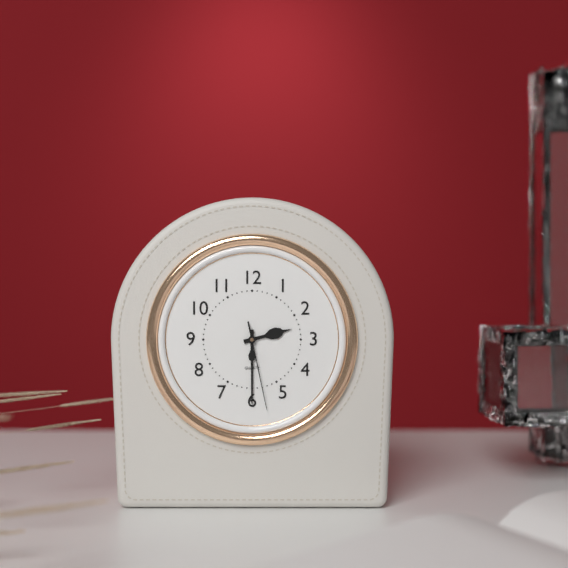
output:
2.30.28
